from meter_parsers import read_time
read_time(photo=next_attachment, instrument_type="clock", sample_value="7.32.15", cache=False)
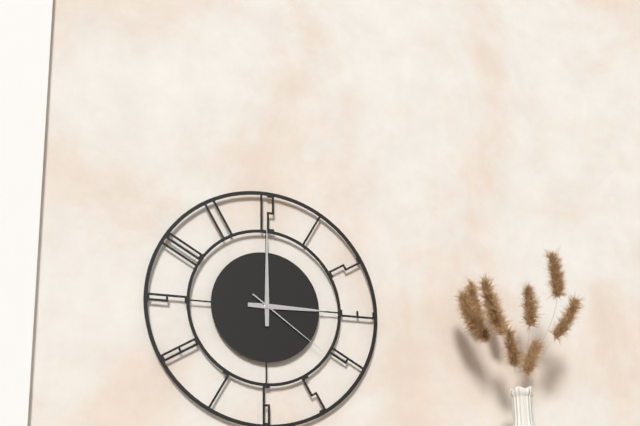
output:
3.00.21
